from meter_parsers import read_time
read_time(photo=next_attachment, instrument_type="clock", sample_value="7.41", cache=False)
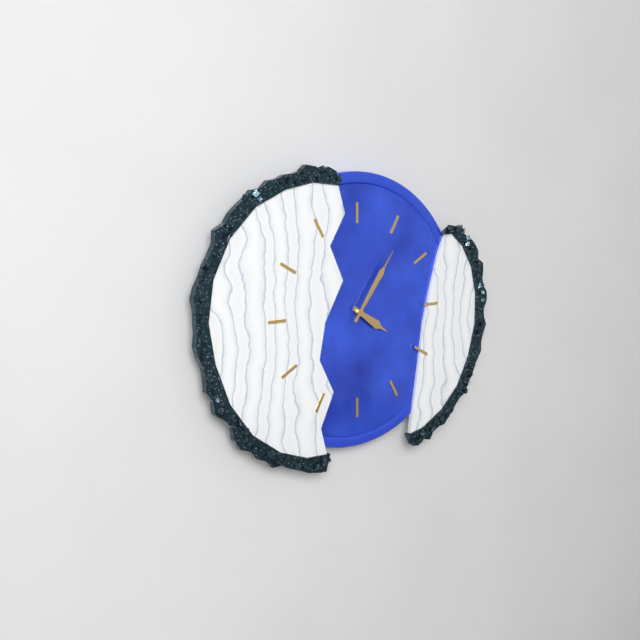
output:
4.06
